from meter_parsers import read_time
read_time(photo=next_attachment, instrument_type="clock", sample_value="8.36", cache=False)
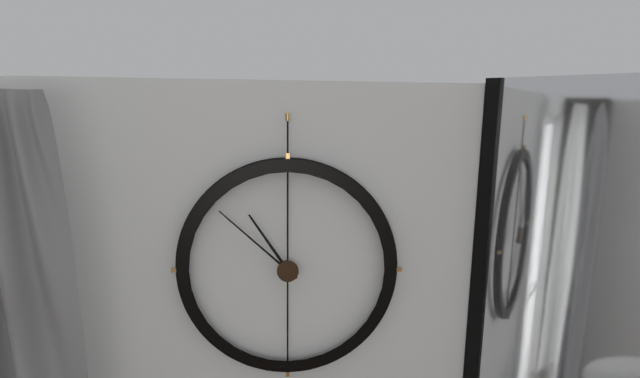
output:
10.52
